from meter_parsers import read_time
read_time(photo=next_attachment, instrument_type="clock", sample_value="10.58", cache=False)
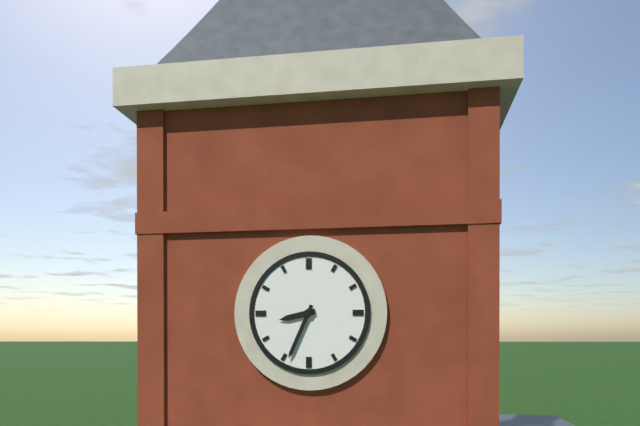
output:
8.34
